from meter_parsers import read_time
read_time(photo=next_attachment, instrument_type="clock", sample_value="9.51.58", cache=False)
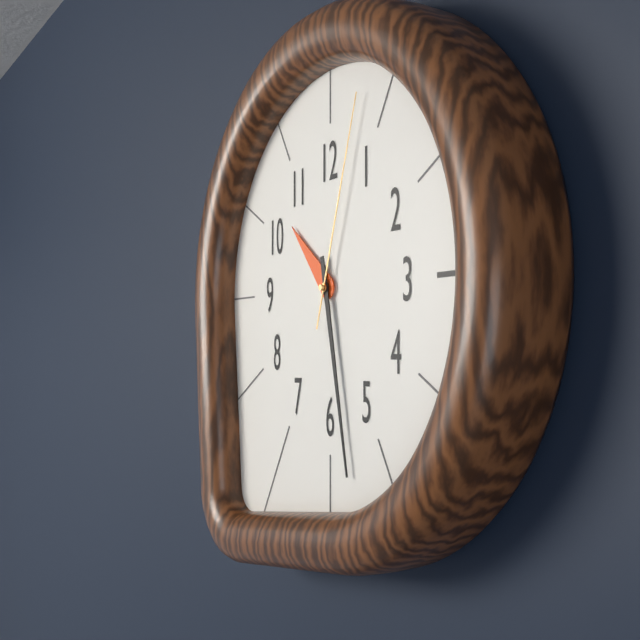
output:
10.28.03
